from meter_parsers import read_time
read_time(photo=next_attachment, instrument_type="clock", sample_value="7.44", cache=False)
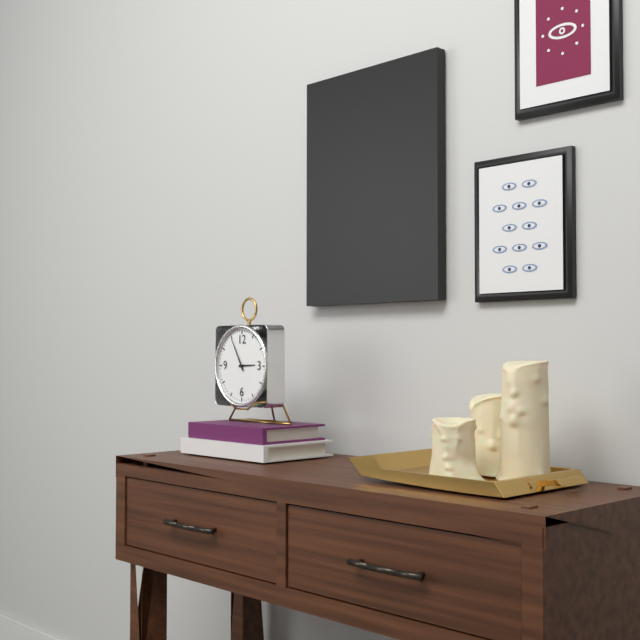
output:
2.55
